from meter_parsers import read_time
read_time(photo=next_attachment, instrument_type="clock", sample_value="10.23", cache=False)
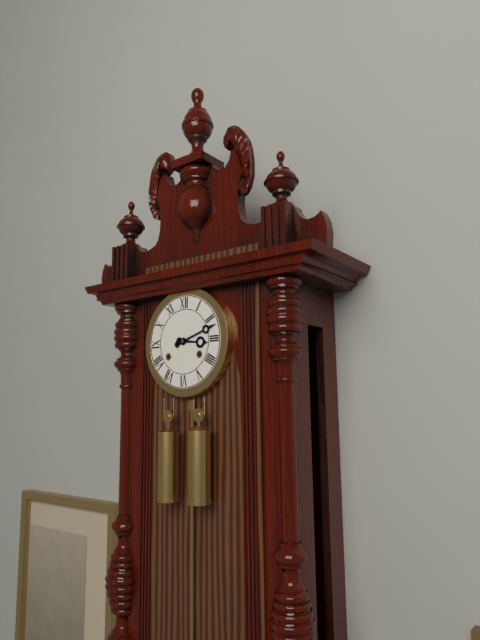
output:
3.12
